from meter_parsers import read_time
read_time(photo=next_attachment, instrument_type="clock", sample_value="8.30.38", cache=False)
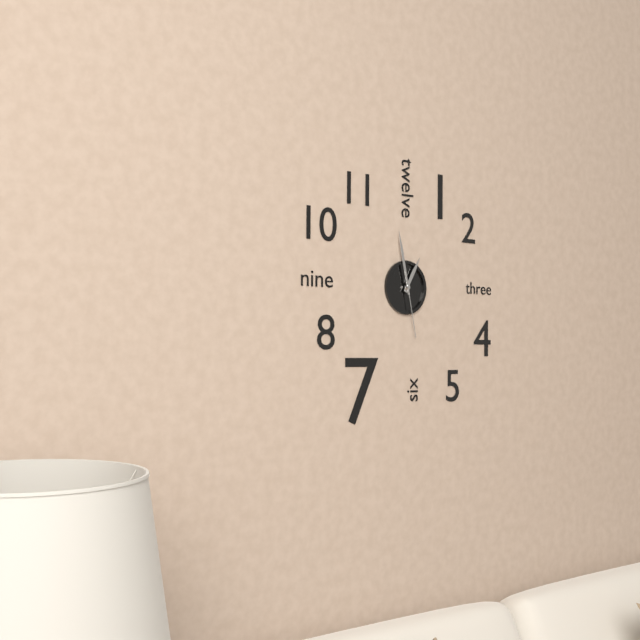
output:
12.58.28
